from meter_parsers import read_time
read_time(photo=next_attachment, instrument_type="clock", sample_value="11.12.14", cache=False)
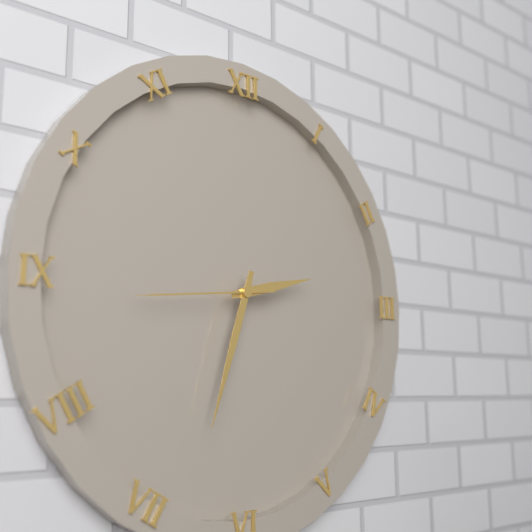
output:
2.33.44
